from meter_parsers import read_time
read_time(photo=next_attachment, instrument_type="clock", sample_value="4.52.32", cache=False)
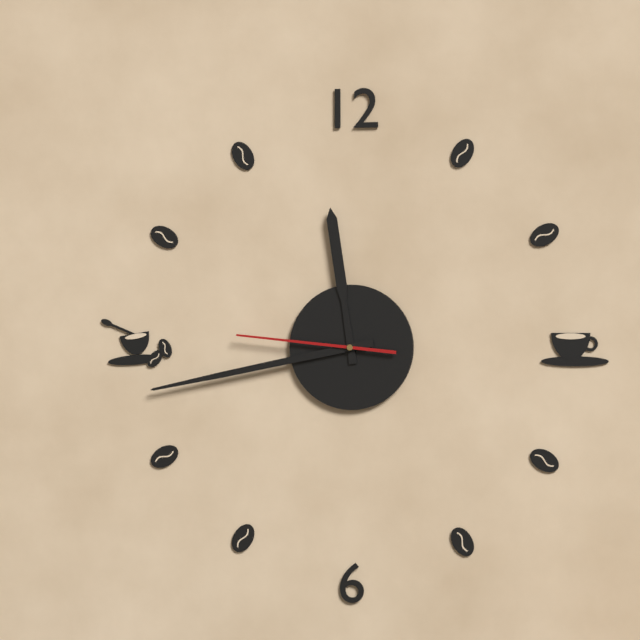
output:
11.43.46
